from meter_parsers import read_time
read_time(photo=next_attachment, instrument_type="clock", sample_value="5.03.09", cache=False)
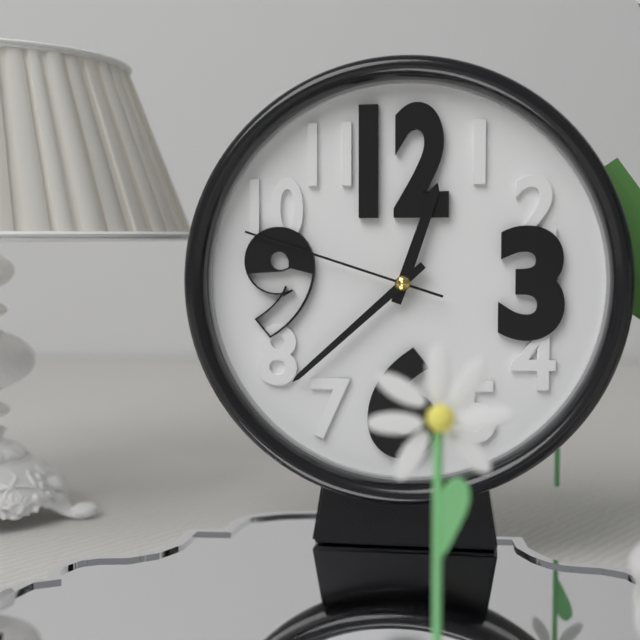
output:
12.38.48
